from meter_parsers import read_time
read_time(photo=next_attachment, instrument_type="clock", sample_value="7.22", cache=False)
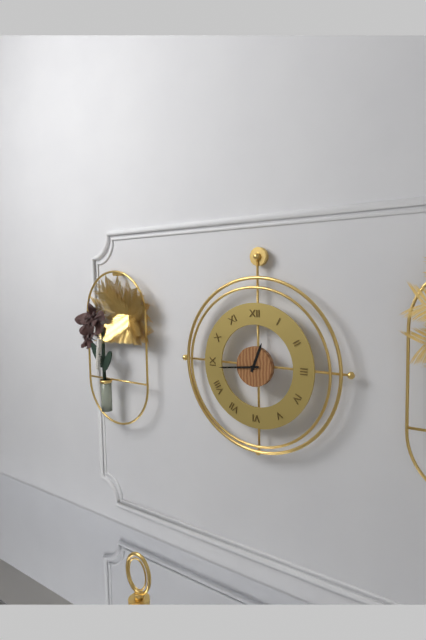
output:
12.44
